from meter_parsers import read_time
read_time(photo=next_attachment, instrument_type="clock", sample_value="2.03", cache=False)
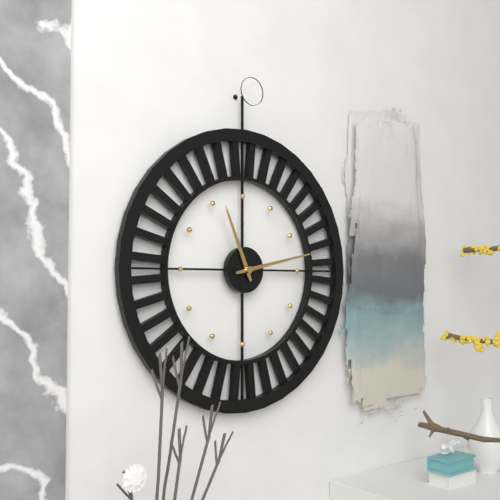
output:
11.13
